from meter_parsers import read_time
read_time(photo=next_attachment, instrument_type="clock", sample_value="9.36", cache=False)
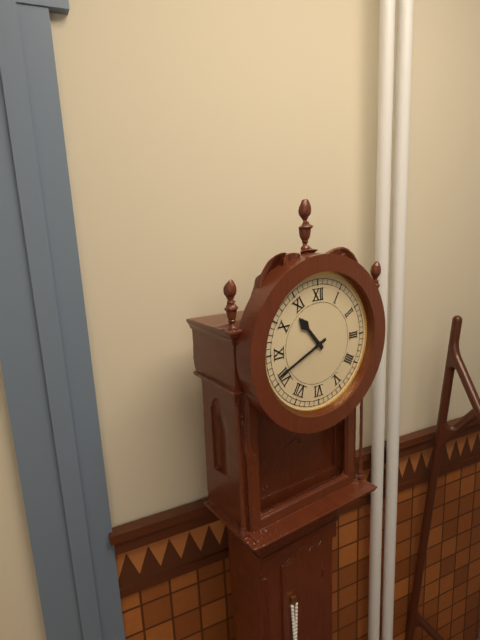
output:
10.41
